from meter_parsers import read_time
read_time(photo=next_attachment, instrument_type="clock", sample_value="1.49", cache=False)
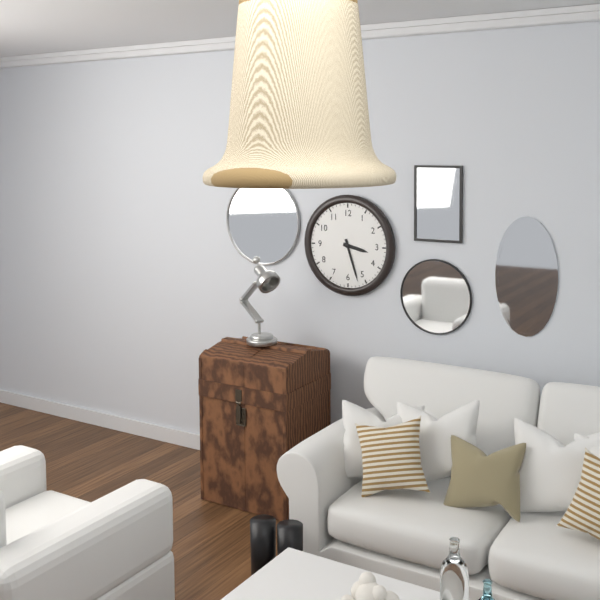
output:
3.27
